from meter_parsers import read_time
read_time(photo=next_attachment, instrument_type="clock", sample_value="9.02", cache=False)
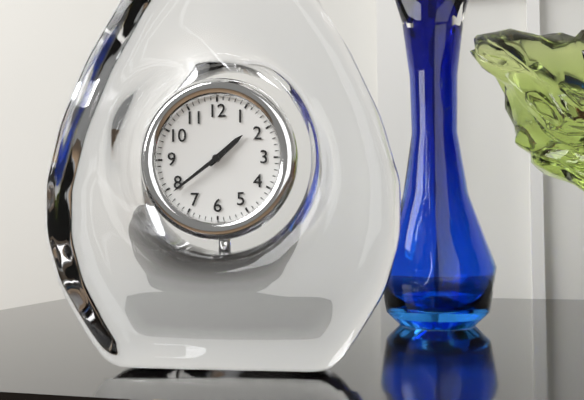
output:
1.39
